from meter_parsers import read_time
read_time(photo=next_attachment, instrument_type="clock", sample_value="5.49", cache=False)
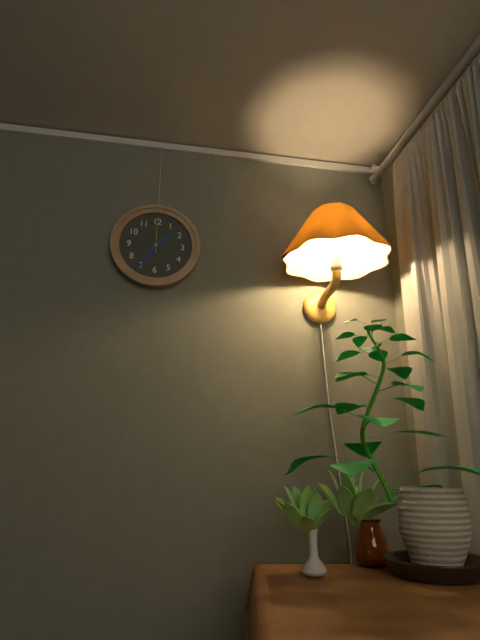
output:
1.35
